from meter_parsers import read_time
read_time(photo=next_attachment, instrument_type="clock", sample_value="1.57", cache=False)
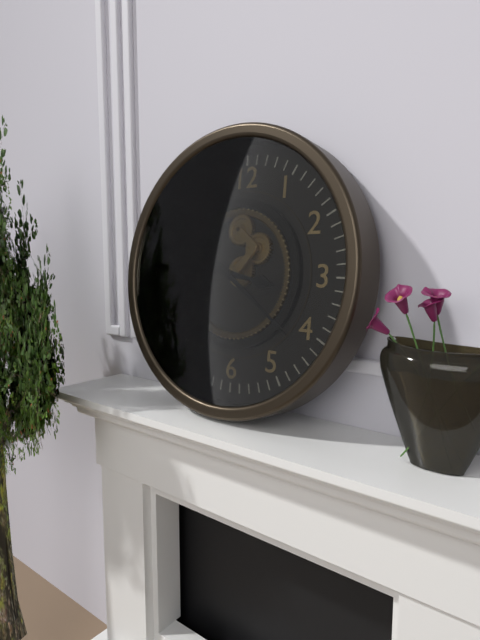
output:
3.21
